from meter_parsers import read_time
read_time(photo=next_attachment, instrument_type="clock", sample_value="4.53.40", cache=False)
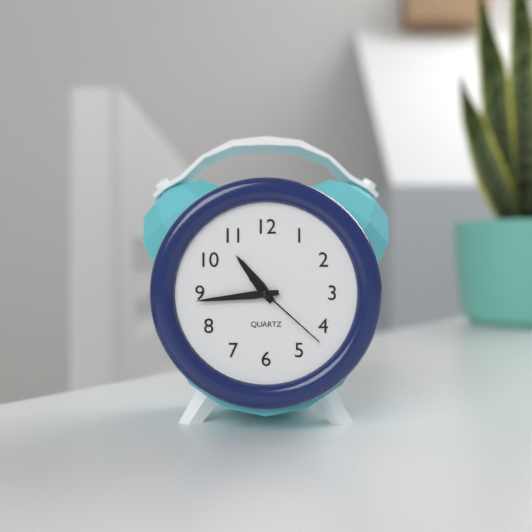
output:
10.44.22
